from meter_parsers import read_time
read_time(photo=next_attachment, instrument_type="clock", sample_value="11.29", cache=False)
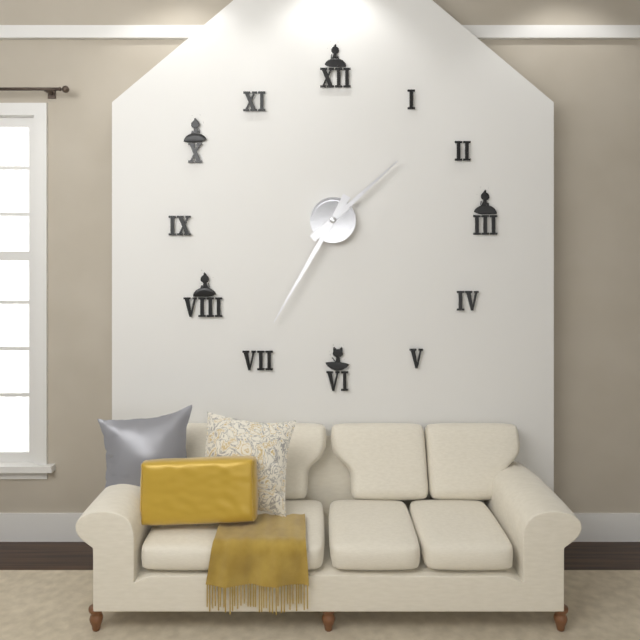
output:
1.35
